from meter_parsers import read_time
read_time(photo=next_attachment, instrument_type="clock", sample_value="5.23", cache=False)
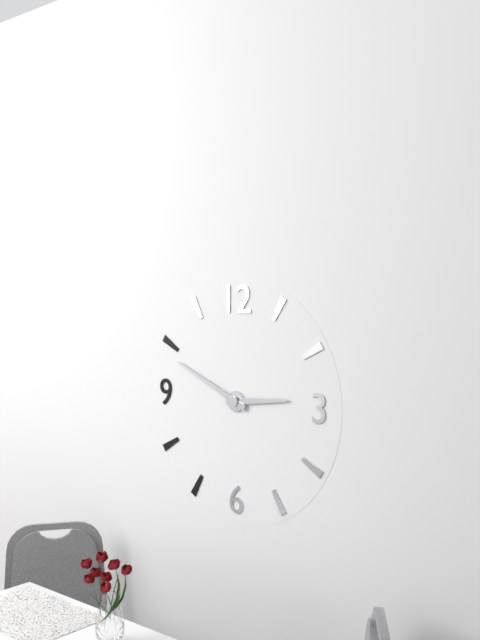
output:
2.49
